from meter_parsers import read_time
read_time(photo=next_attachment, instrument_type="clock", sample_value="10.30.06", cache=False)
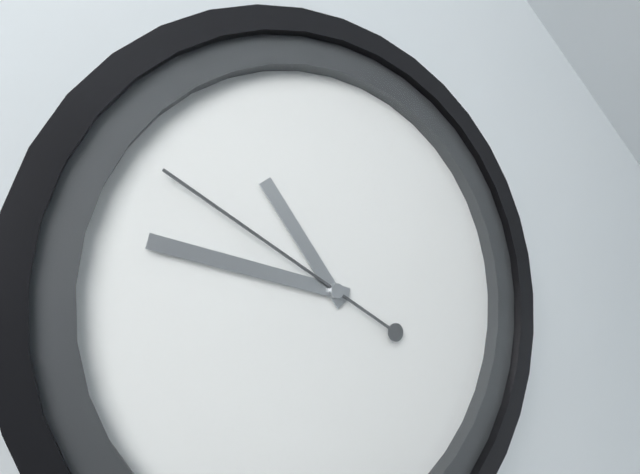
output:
10.47.50
